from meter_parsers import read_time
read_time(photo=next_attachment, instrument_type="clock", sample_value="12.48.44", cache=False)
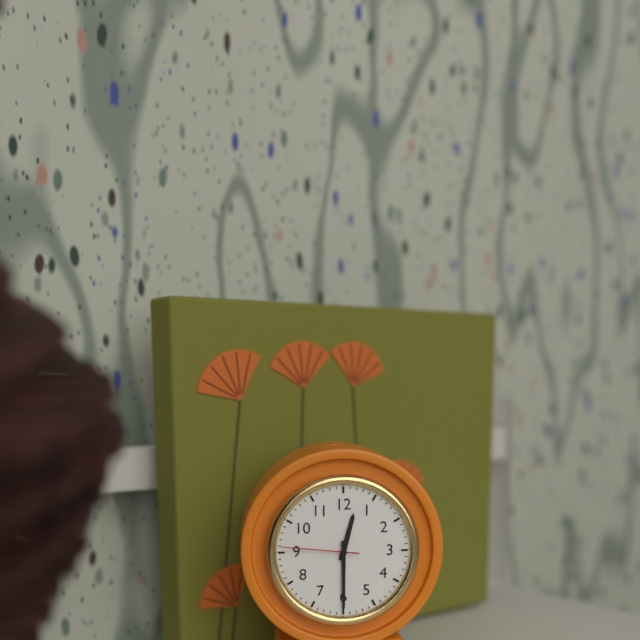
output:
12.30.46
